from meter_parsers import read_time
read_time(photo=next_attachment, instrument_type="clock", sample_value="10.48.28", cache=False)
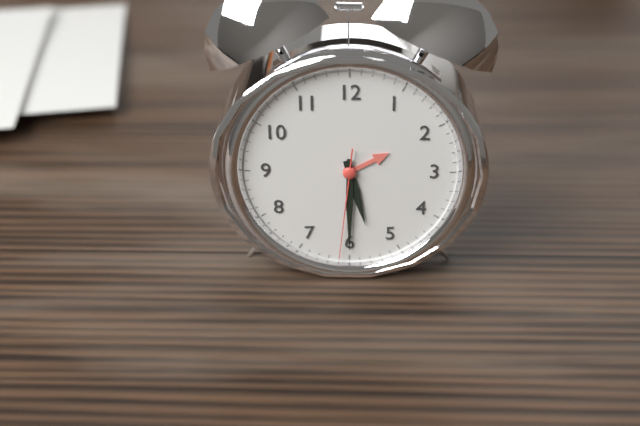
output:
5.30.31
